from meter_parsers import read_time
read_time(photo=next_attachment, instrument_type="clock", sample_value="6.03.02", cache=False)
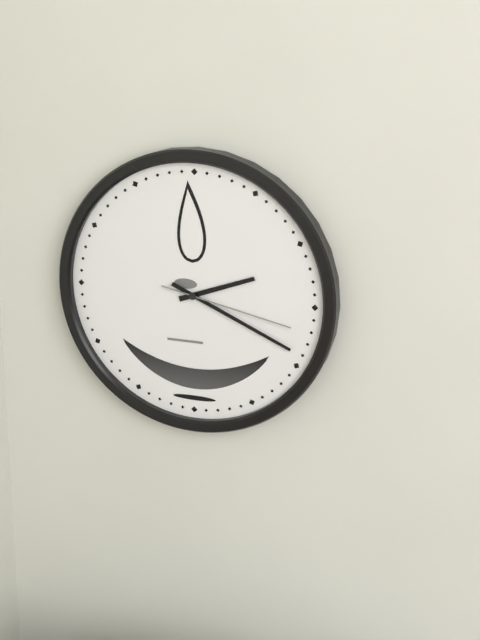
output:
2.19.17
